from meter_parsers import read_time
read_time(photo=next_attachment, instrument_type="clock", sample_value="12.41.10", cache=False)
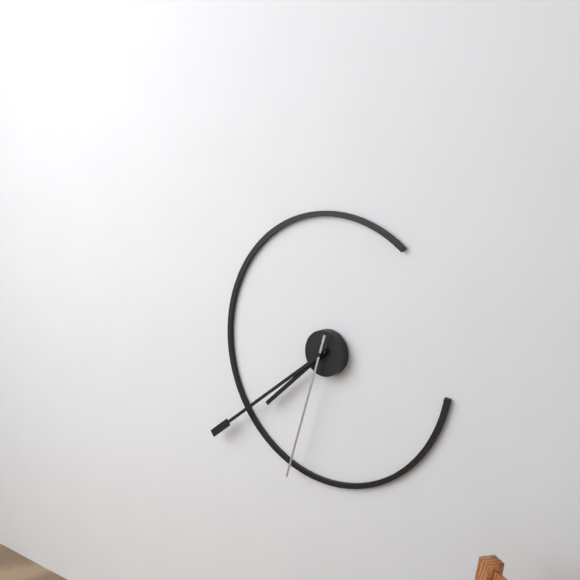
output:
7.39.33
